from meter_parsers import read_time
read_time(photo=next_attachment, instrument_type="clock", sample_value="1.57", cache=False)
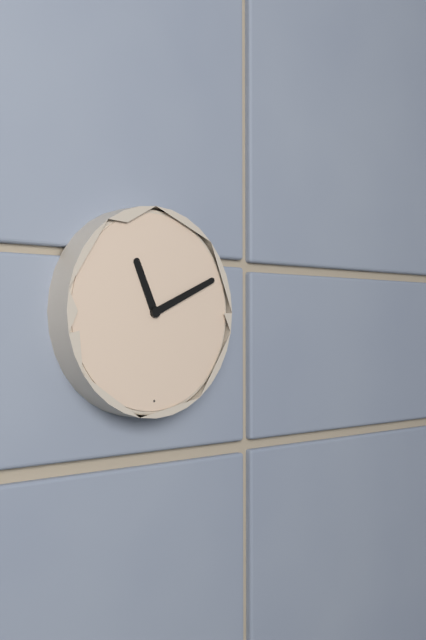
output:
11.11
